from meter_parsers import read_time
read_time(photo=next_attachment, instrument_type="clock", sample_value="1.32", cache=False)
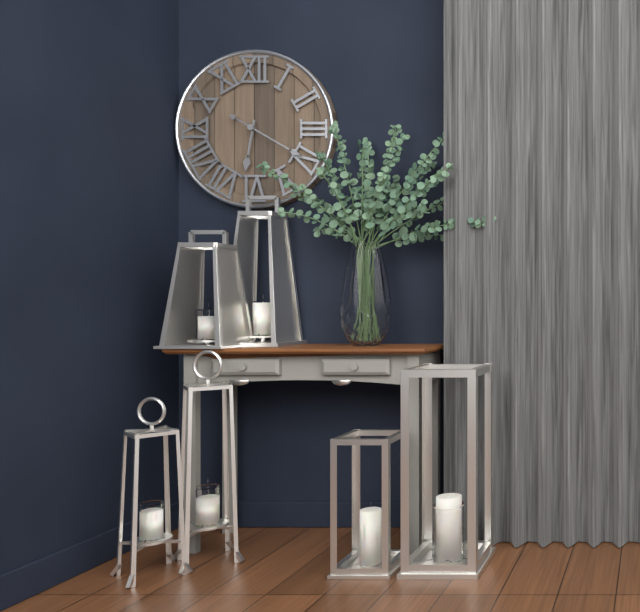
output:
6.20
